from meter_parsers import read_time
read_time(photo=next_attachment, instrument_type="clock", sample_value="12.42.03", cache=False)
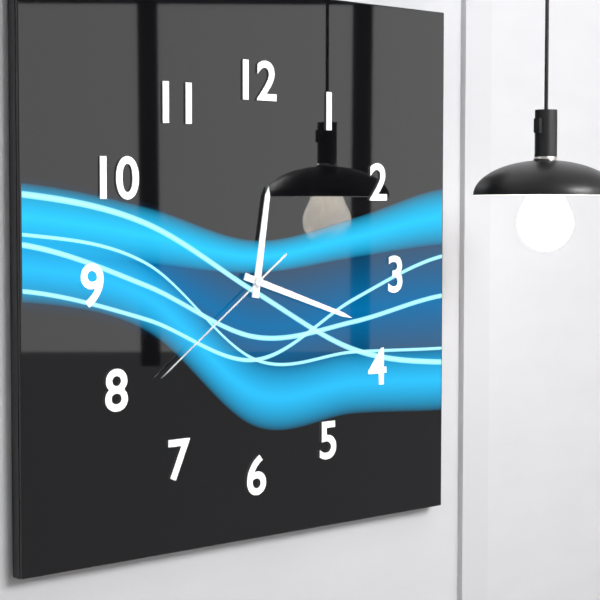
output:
12.18.39
